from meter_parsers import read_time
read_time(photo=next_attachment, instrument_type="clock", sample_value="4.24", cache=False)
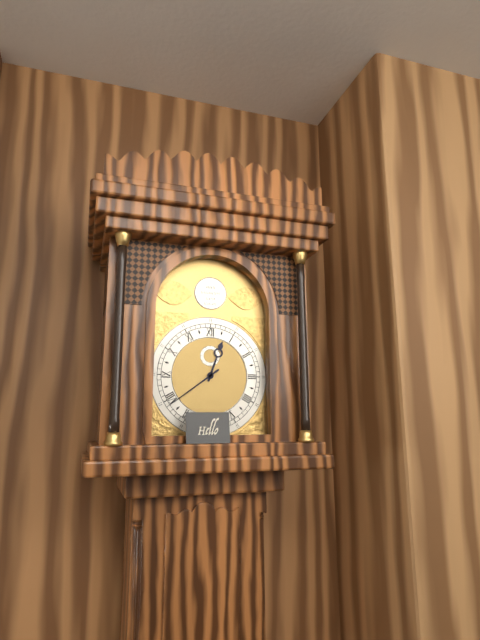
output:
12.39
